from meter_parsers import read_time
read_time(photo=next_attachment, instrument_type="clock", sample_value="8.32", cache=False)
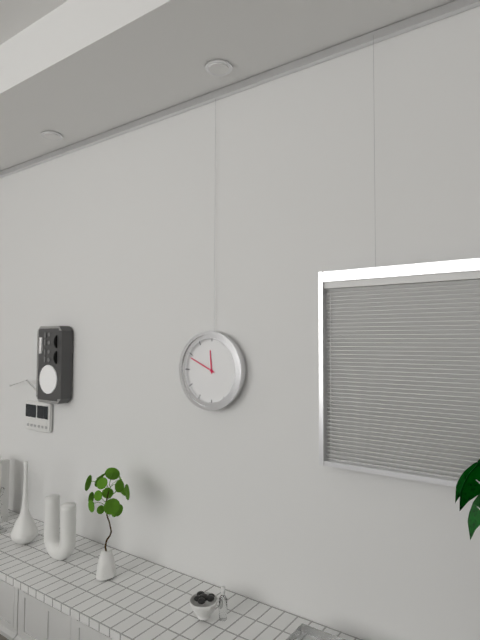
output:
11.49
